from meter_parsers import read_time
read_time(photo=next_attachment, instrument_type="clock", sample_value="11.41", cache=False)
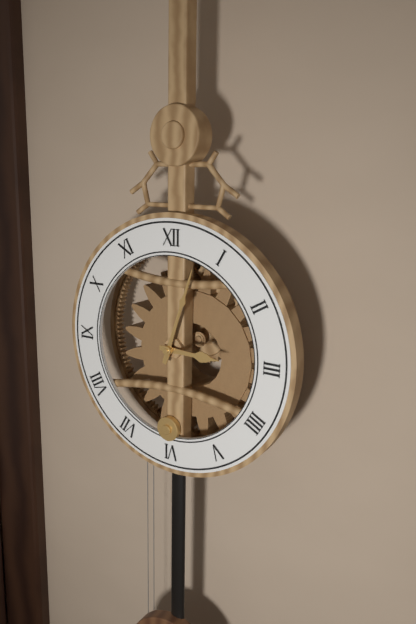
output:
3.03
